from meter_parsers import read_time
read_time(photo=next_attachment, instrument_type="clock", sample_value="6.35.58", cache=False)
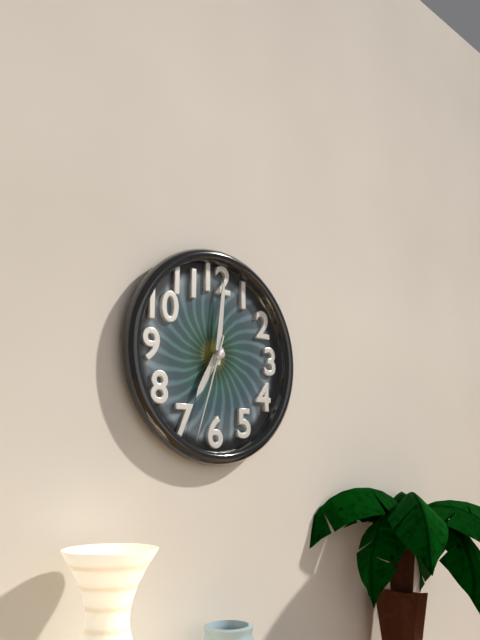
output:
7.01.33
